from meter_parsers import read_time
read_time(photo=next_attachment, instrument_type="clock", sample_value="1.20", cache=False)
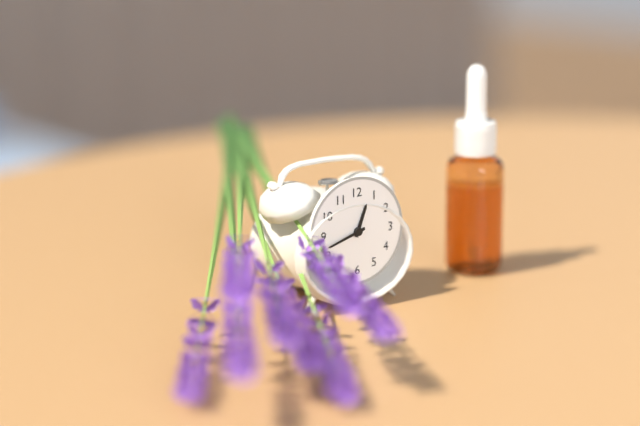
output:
12.42
